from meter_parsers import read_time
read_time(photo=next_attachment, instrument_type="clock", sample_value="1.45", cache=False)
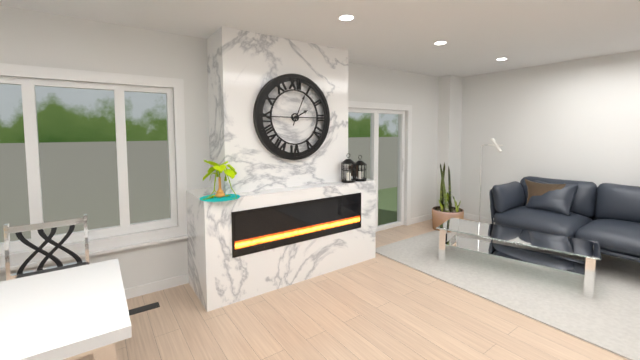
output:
2.04
